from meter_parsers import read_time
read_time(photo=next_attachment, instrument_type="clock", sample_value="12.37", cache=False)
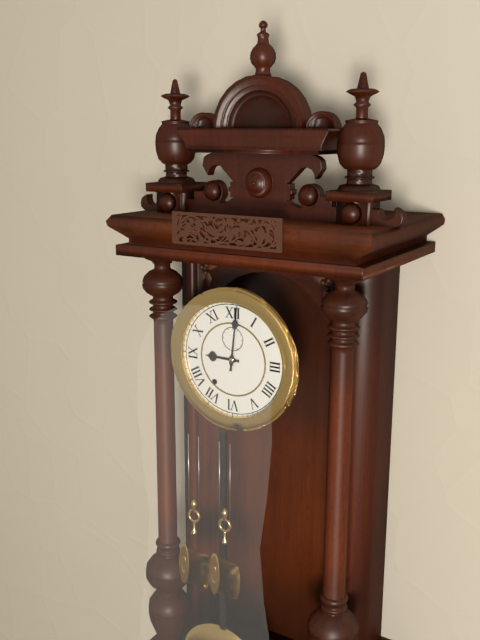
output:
9.01
